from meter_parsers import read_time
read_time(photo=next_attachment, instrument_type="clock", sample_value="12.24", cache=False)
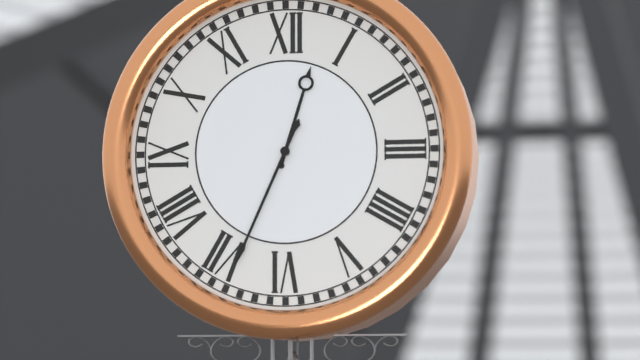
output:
12.34
